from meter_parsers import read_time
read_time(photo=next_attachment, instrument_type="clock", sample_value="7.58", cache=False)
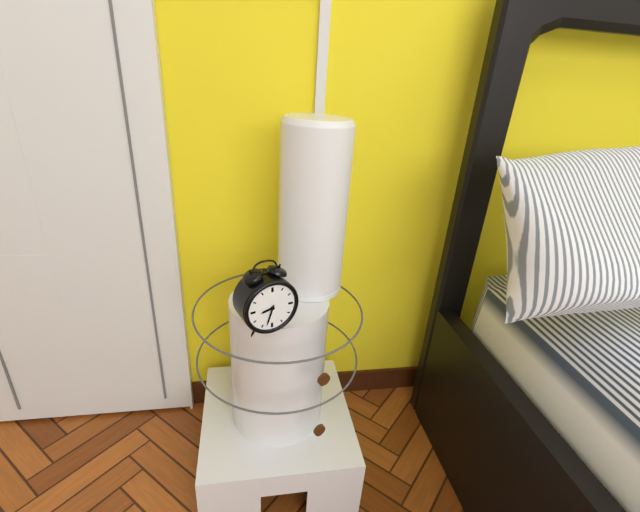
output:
8.33
